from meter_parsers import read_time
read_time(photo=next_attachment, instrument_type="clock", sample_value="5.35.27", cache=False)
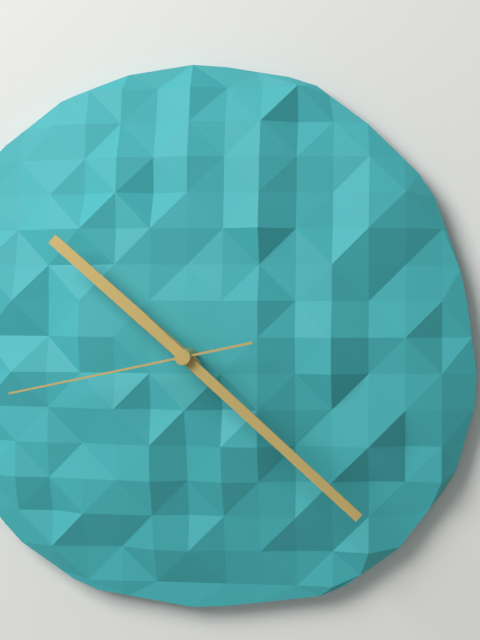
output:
10.22.43
